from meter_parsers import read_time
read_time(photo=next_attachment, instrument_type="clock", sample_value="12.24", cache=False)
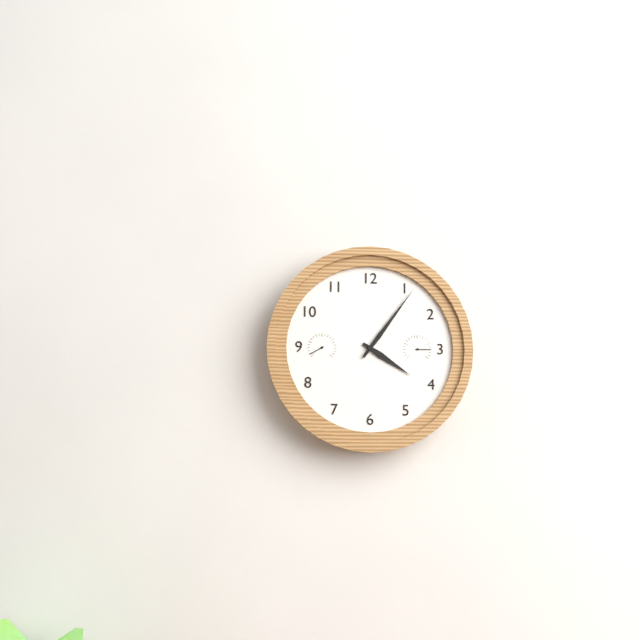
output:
4.06
